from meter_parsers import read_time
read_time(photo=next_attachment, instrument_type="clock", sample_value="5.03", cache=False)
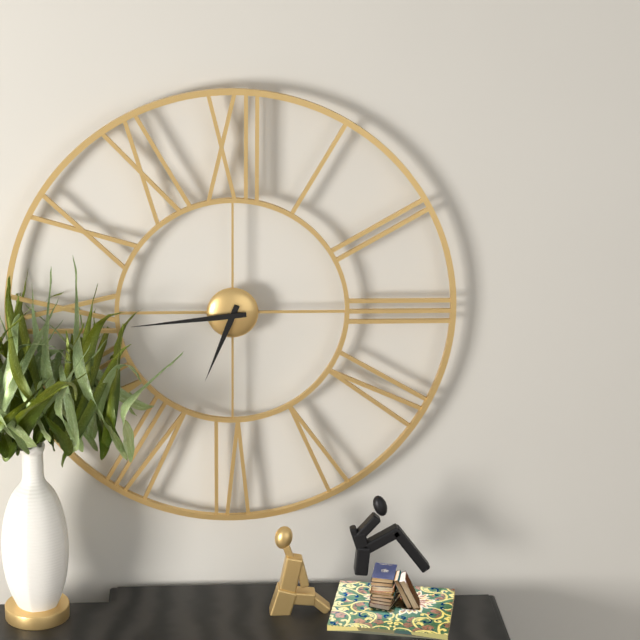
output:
6.44
